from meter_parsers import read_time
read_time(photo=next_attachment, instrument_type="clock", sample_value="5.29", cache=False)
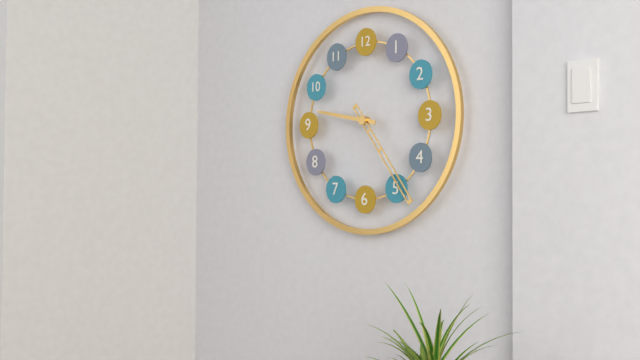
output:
9.24
